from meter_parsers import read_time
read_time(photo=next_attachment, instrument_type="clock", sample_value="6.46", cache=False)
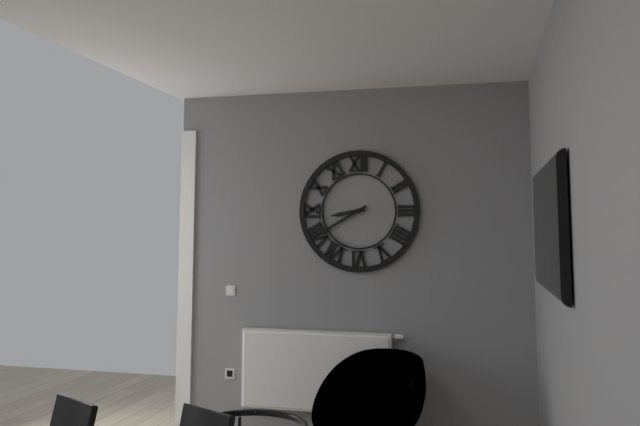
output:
8.40
